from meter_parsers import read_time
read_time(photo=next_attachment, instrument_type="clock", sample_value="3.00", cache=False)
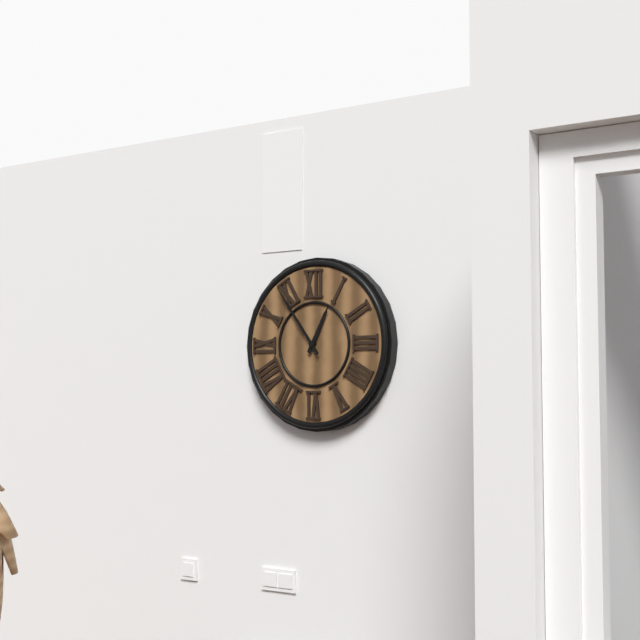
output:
12.54
